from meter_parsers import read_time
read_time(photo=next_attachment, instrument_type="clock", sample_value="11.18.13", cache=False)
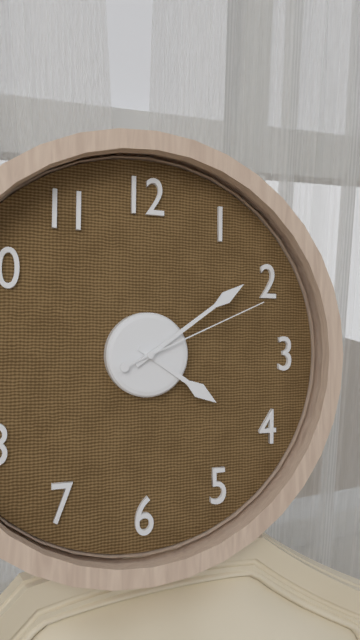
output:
4.09.11
